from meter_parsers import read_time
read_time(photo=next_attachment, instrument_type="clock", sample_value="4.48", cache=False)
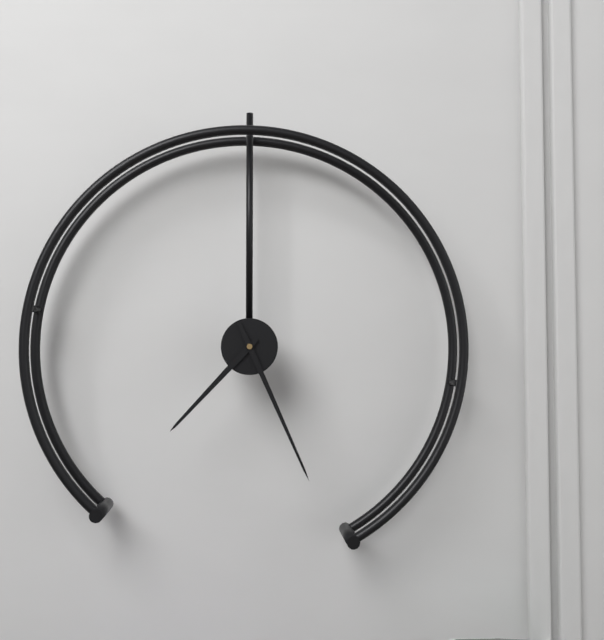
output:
7.26
